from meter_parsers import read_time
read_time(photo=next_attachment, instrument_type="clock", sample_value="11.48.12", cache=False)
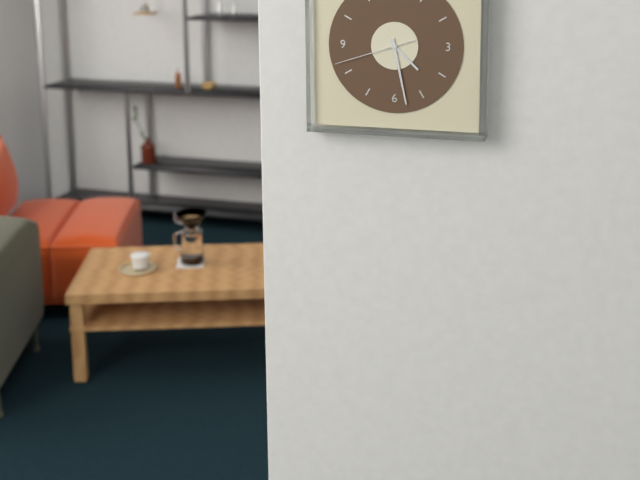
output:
4.28.42
